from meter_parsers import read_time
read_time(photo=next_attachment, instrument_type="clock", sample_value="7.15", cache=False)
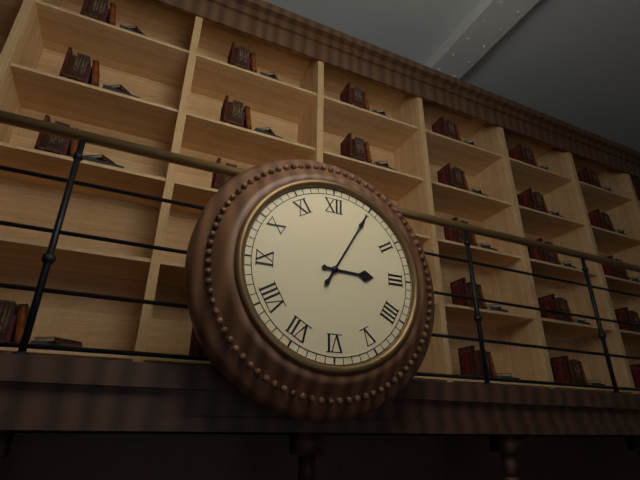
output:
3.05
